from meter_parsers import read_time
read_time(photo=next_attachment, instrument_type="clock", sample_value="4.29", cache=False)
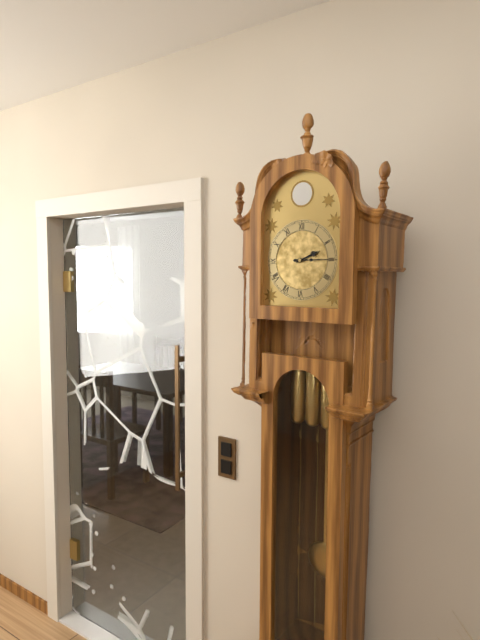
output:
2.15
